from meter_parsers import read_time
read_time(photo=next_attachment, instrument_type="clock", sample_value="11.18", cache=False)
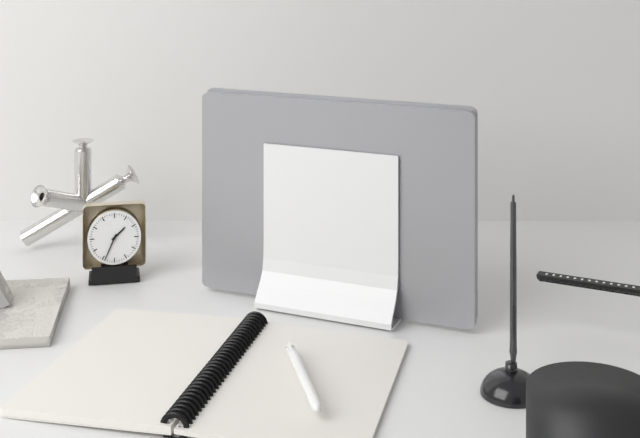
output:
1.34
